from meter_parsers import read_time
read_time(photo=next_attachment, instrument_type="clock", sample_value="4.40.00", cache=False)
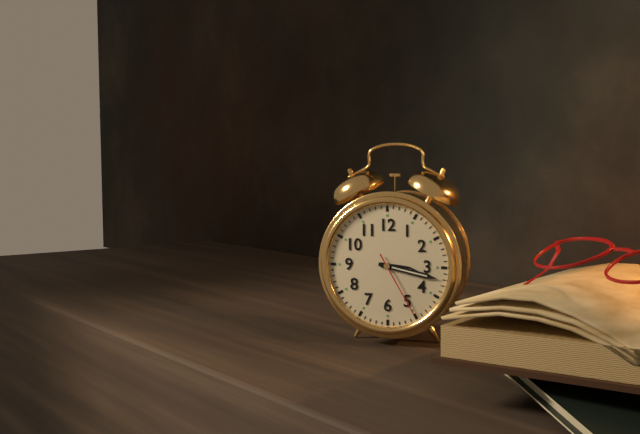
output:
3.17.25
